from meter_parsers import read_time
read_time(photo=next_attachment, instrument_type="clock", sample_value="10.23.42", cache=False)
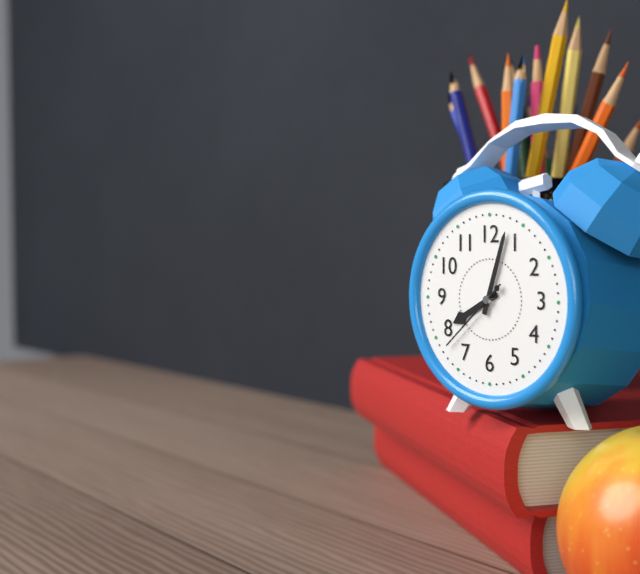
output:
8.03.38
